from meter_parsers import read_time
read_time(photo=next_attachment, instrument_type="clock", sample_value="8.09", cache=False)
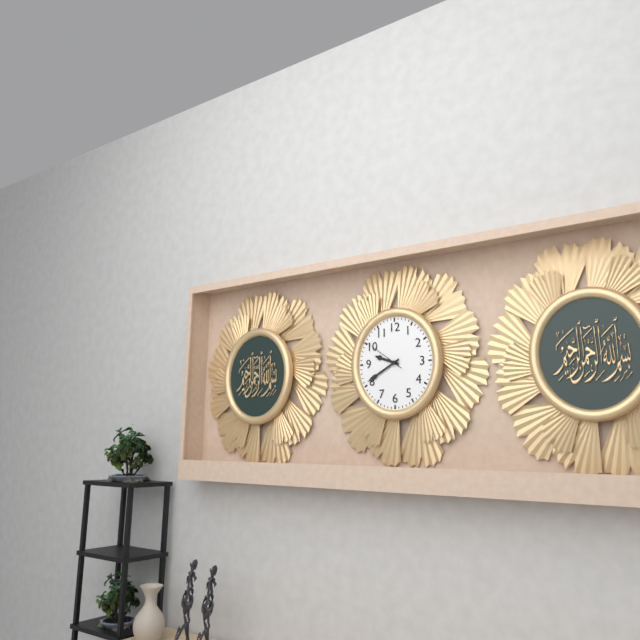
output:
9.40
